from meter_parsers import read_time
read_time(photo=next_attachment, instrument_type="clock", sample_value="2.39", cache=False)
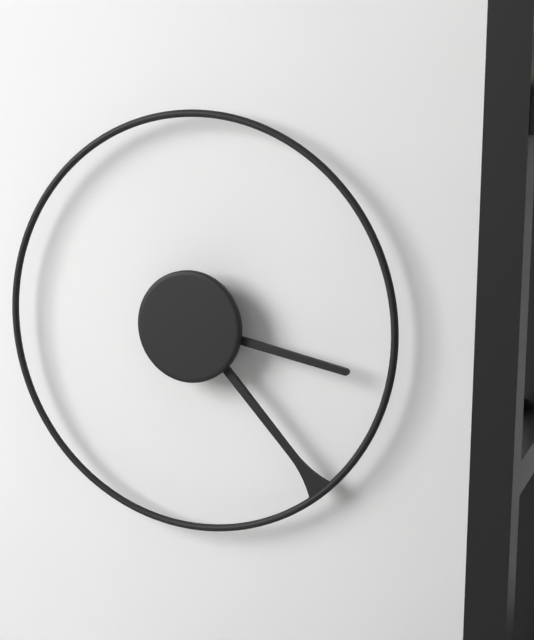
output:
3.23
